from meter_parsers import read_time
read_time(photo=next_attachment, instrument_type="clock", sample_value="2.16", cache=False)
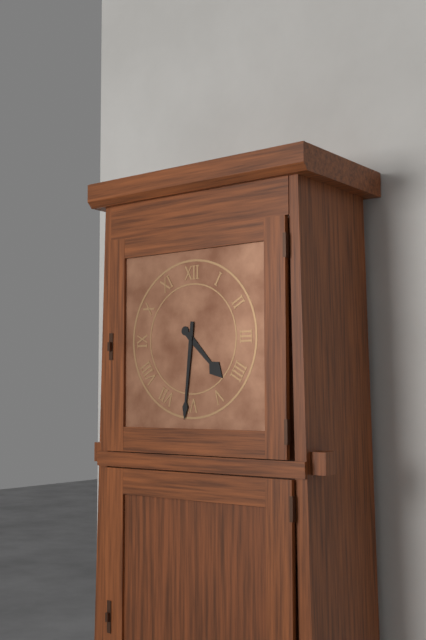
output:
4.31
